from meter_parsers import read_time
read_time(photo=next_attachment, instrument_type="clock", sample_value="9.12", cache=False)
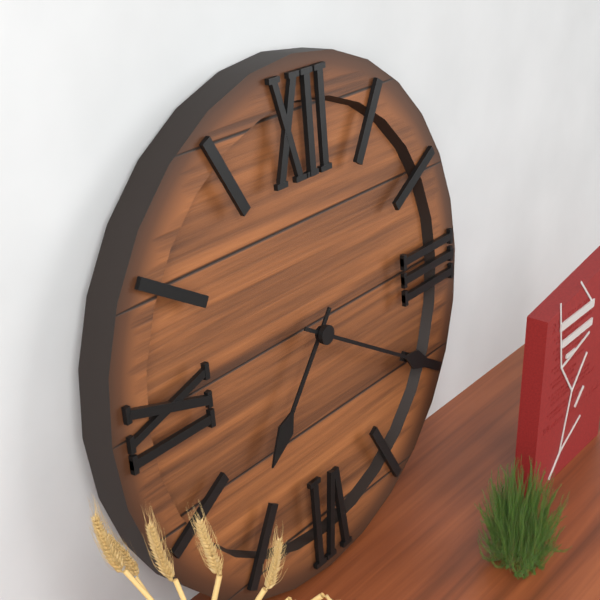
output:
7.20
